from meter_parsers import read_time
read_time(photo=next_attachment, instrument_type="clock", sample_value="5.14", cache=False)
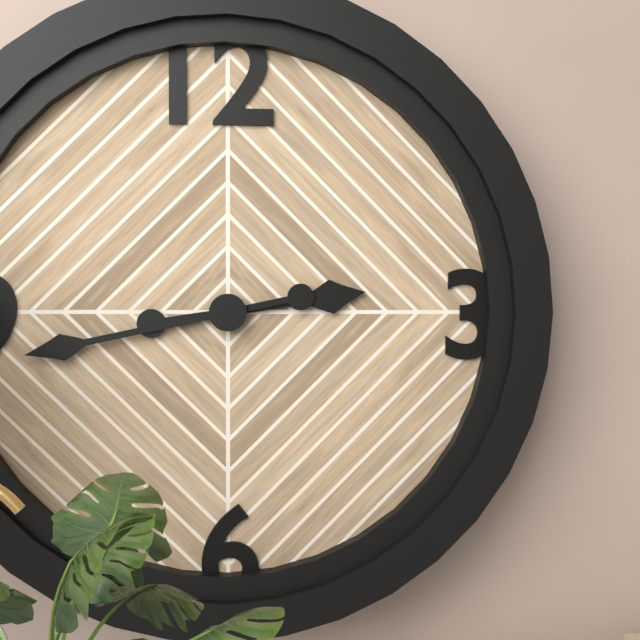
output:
2.43
